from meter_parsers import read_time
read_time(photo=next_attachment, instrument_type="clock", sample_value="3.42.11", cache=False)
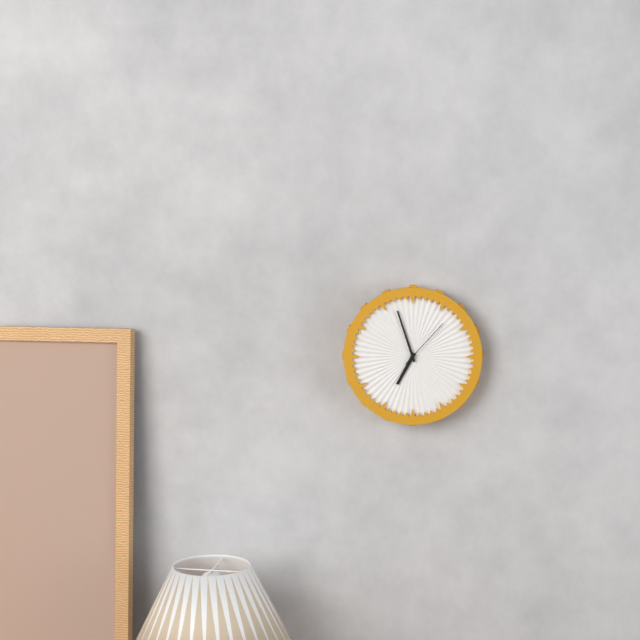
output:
6.57.07
